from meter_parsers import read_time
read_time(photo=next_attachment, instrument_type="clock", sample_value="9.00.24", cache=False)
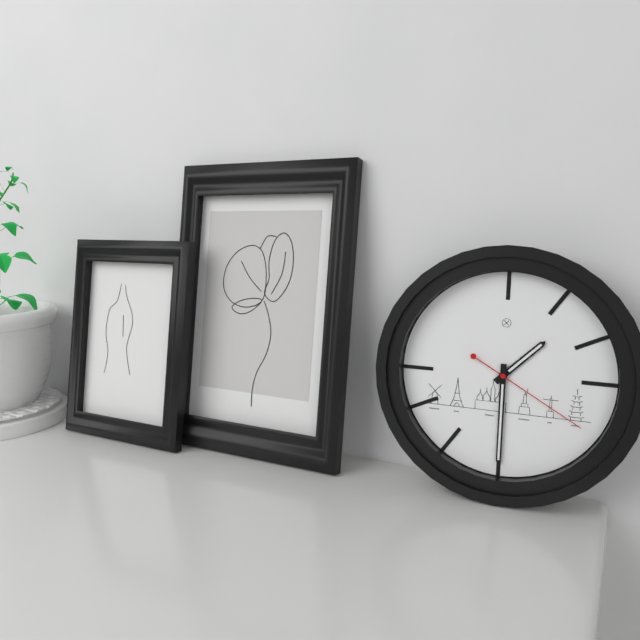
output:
1.30.20
